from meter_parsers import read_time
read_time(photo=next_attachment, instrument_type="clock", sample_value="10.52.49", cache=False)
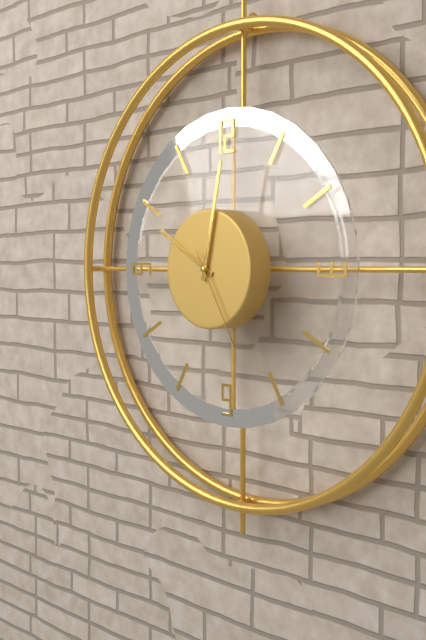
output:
10.02.25
